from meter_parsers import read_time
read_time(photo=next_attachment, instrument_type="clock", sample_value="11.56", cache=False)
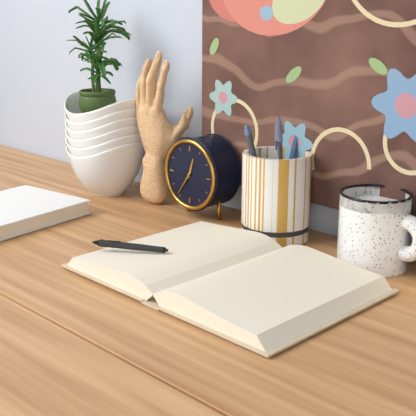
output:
12.36
